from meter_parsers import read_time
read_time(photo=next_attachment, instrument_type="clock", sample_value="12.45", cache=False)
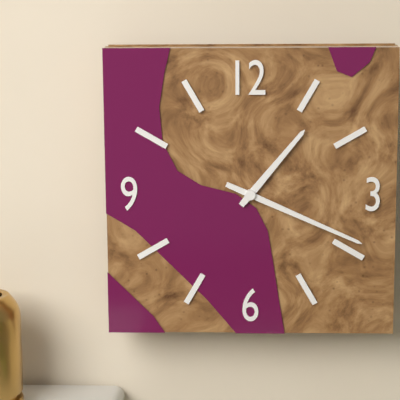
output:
1.19
